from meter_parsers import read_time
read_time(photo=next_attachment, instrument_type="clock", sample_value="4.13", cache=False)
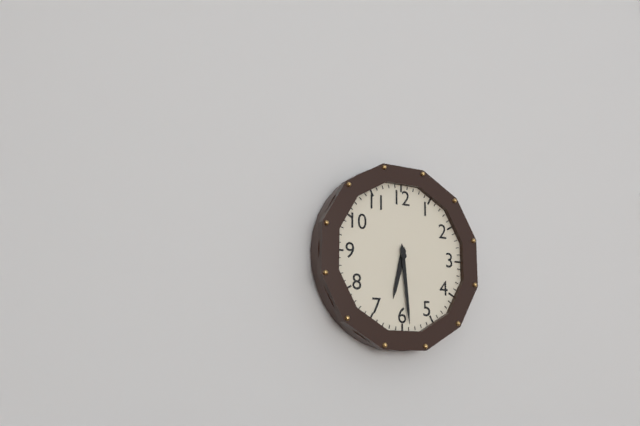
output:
6.29
